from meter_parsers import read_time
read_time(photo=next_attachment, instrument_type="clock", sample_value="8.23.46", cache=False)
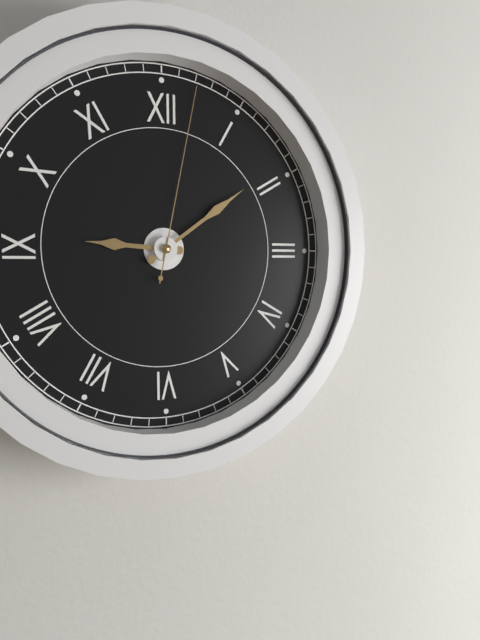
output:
9.09.02
